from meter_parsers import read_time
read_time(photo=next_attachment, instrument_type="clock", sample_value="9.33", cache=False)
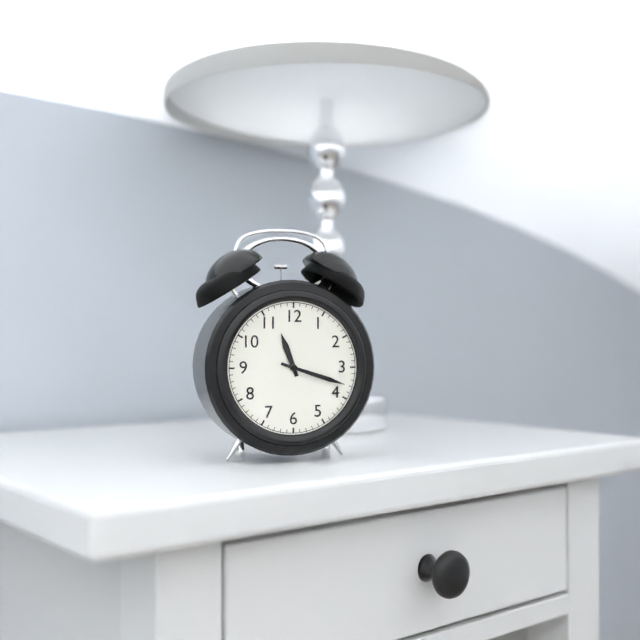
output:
11.18
